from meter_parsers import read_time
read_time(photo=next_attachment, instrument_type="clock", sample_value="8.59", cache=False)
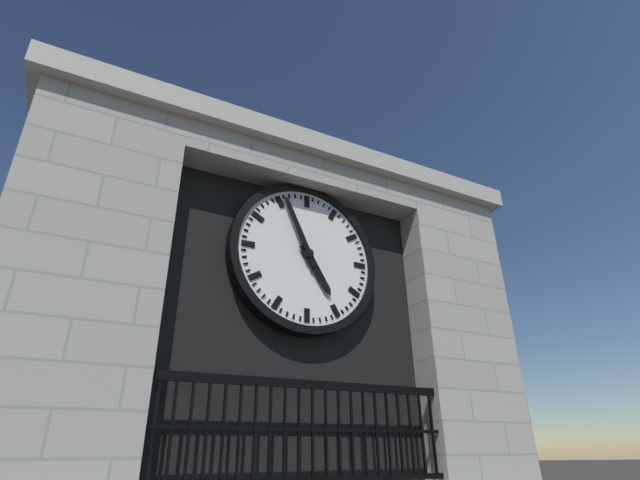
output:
4.56
